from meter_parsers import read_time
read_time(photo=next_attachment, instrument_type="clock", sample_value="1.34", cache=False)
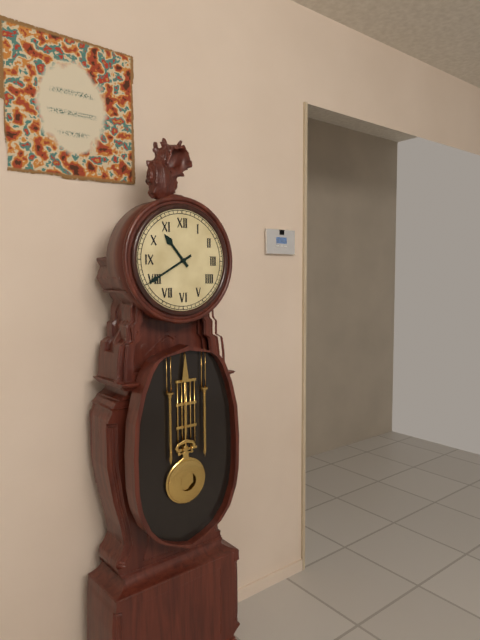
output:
10.40
